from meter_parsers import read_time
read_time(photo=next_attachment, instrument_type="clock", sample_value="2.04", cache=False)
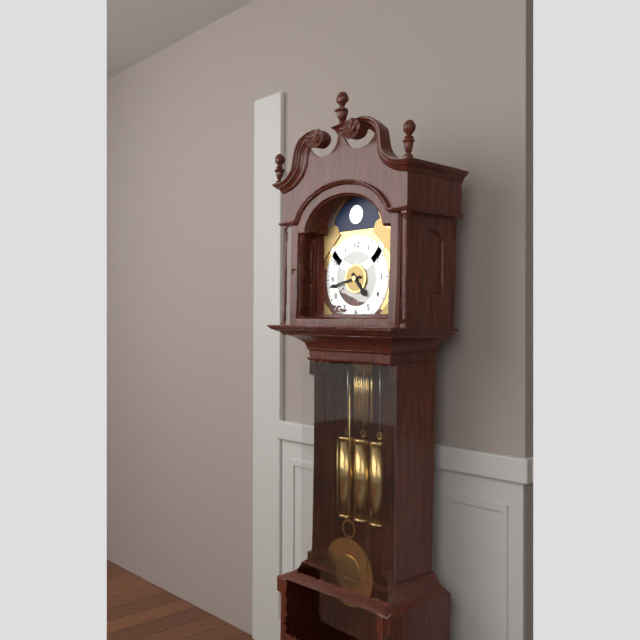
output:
4.43
